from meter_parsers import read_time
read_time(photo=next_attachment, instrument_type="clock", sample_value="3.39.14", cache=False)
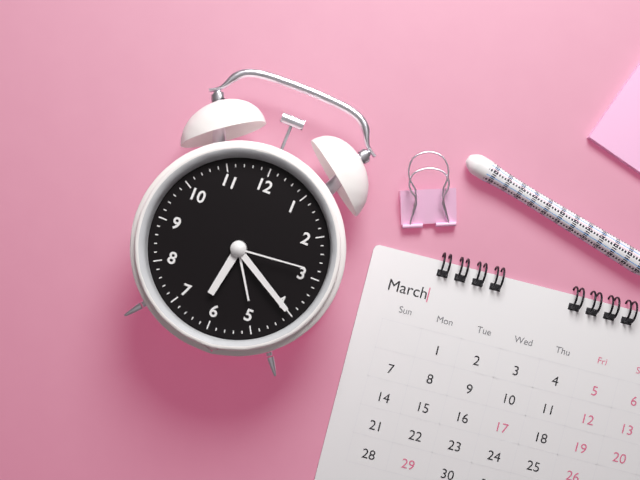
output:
6.20.14
